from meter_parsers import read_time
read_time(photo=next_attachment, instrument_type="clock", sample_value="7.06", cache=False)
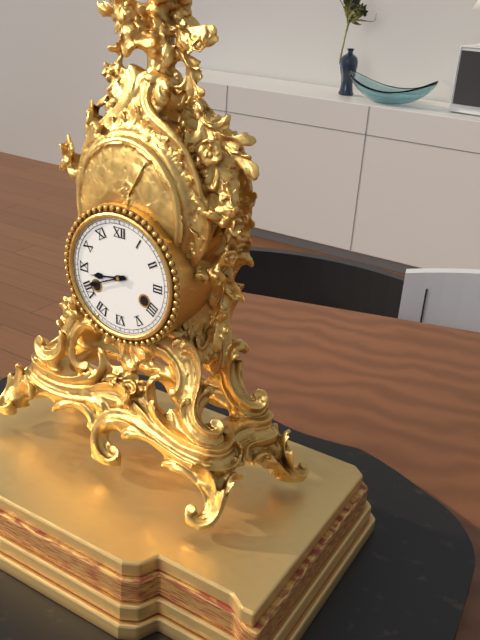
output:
8.41
